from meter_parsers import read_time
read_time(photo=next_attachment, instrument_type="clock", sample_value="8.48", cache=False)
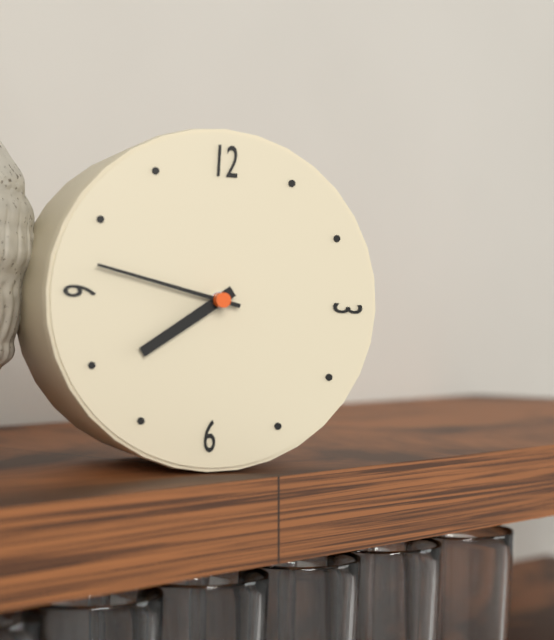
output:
7.47
